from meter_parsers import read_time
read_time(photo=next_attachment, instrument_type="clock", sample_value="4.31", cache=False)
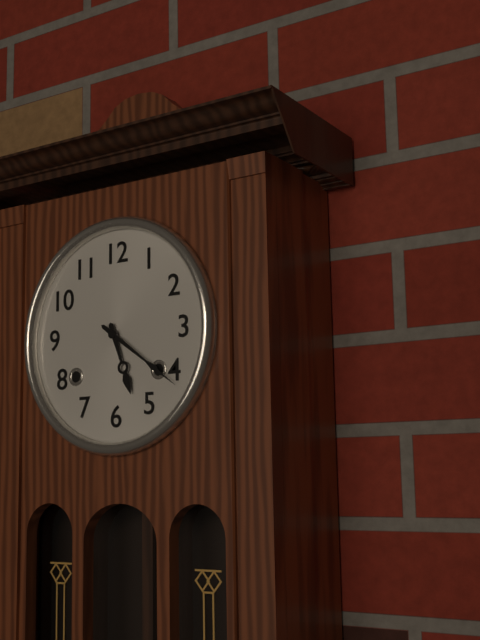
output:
5.21
